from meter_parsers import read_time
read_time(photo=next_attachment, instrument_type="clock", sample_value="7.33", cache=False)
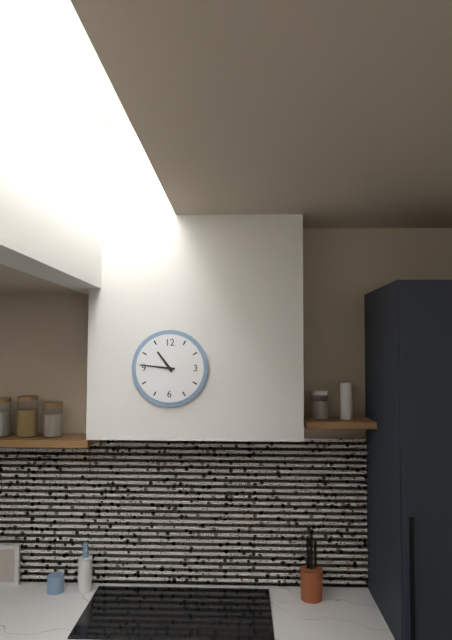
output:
10.46
